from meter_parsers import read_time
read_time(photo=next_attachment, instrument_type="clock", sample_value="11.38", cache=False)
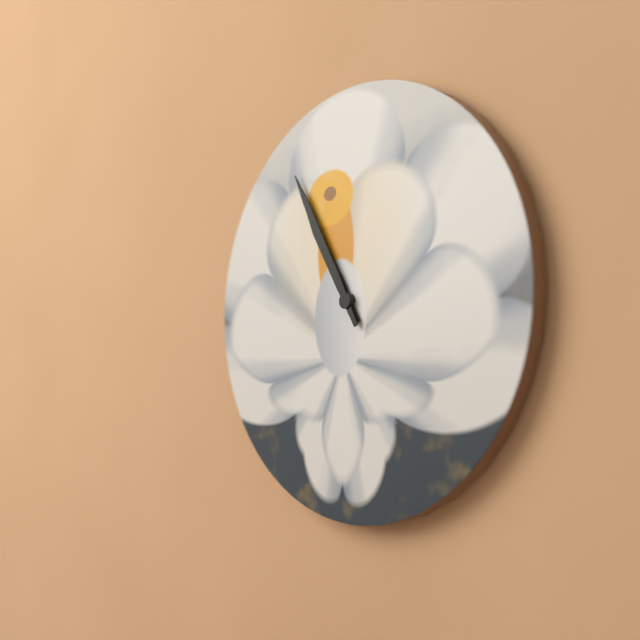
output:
10.55
